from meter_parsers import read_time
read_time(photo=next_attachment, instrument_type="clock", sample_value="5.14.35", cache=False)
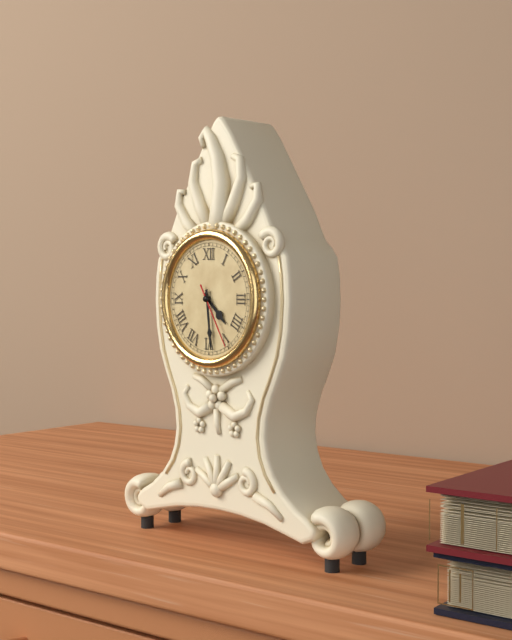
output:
4.29.25
